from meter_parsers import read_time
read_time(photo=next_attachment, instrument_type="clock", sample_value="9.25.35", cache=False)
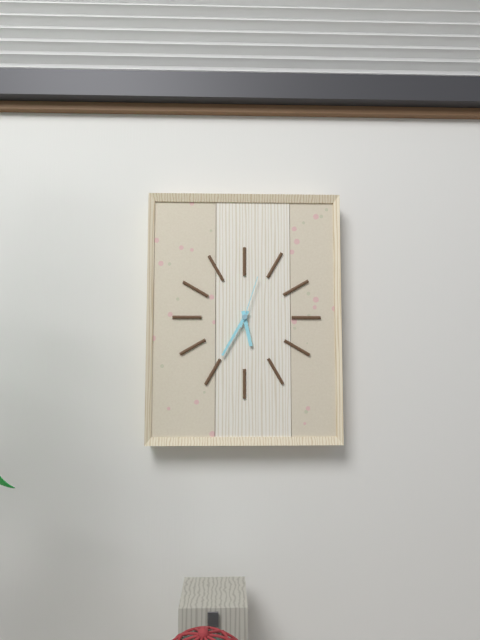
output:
5.35.03
